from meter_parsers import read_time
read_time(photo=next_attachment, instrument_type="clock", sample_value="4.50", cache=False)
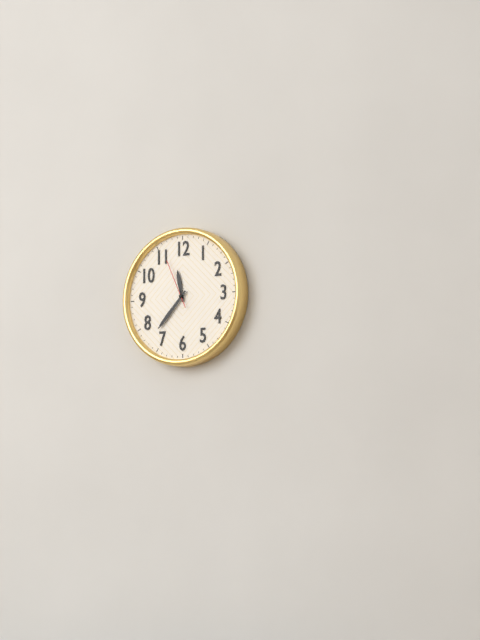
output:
11.37
